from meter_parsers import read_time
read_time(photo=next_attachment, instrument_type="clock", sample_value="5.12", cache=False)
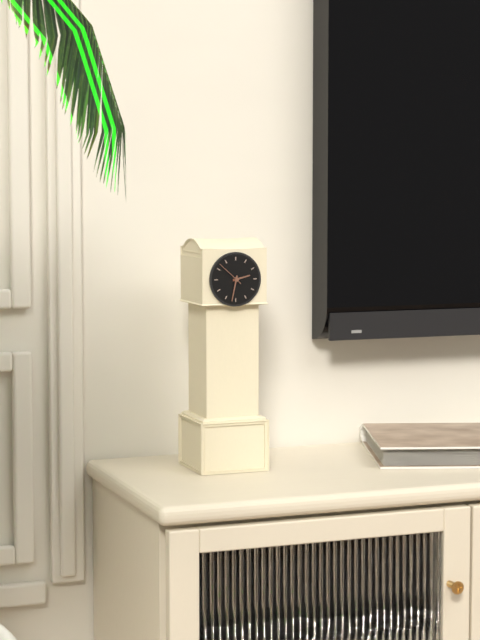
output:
2.32
